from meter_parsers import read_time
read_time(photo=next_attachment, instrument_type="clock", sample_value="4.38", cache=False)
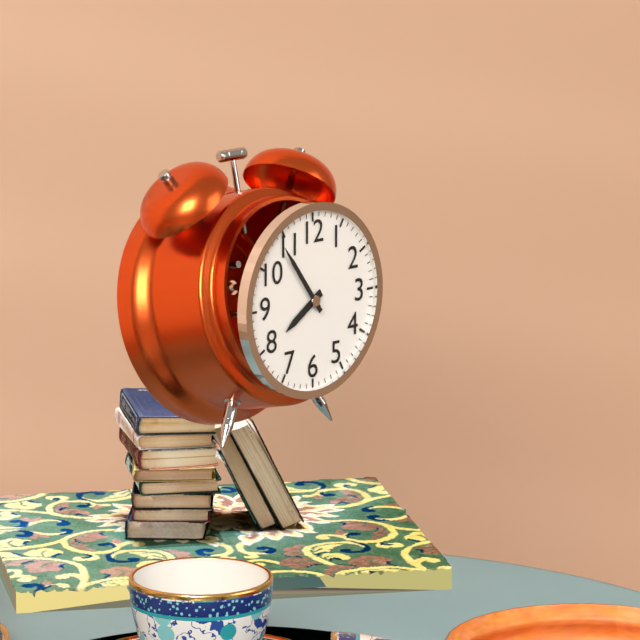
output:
7.54
